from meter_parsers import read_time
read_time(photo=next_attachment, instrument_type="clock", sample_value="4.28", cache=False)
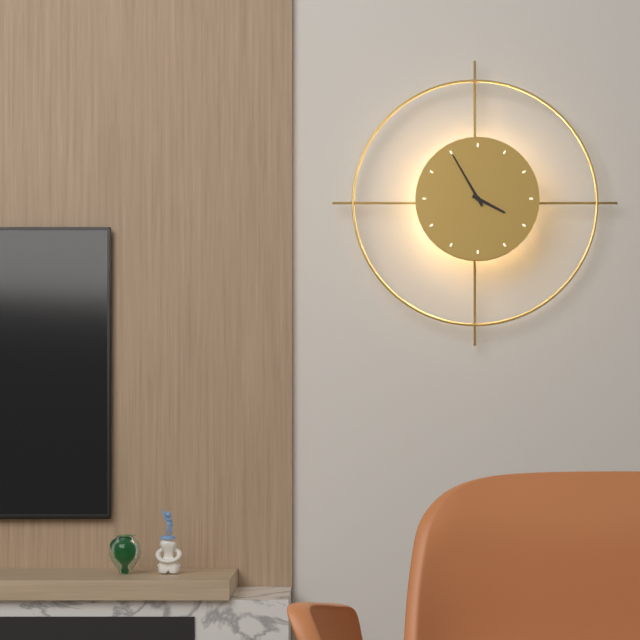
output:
3.55
